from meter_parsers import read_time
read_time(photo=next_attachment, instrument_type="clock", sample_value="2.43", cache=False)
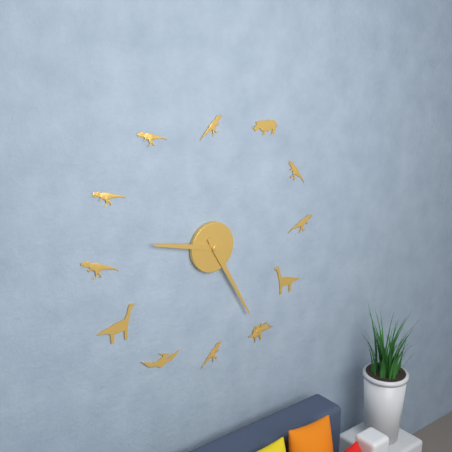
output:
9.25
